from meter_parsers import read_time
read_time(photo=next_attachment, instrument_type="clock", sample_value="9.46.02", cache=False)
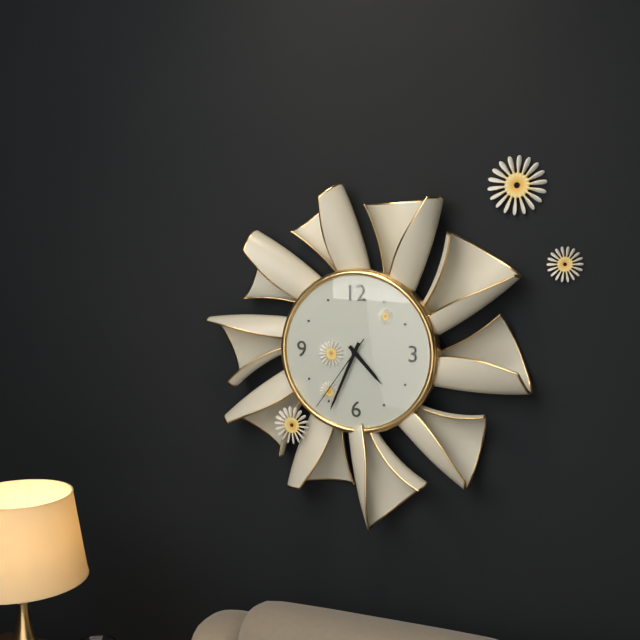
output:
4.34.36
